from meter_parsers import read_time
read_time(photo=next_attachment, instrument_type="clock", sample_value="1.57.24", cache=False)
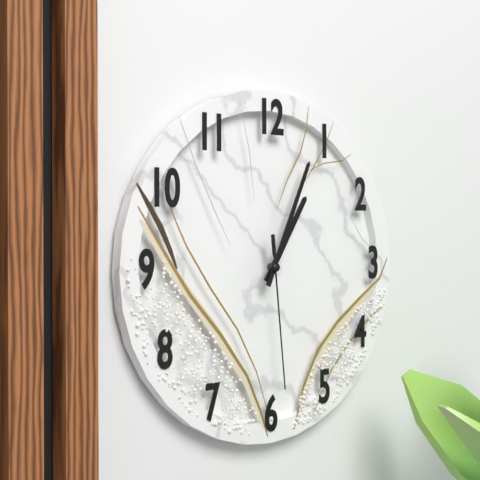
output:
1.04.29
